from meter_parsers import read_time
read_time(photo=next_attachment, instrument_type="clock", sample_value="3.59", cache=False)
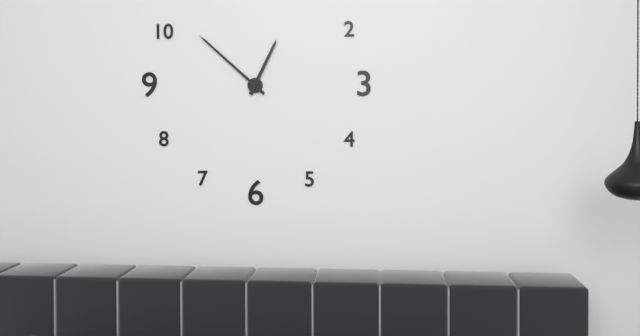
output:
12.52
